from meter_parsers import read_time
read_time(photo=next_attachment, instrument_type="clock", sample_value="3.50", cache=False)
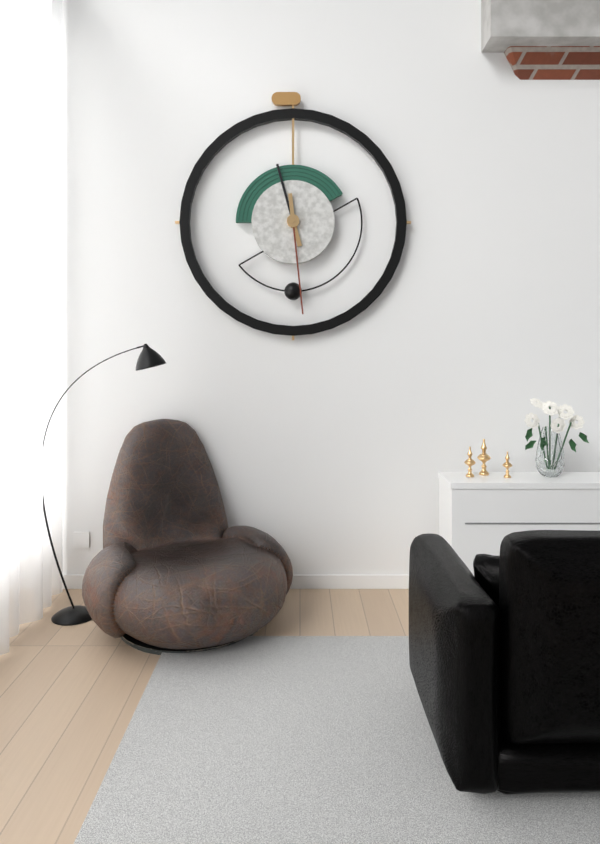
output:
11.29
